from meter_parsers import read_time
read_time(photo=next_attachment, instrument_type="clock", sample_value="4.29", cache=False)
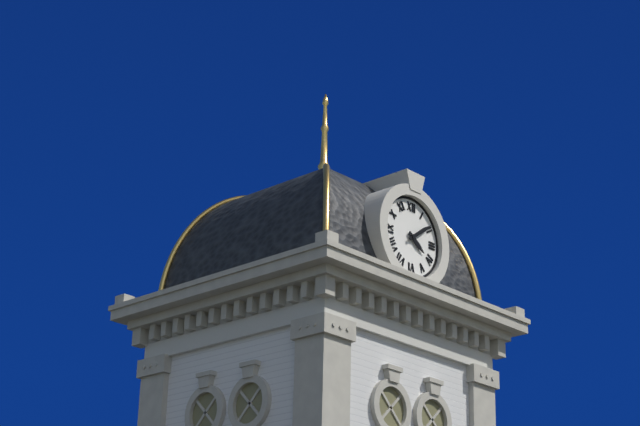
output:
4.09
